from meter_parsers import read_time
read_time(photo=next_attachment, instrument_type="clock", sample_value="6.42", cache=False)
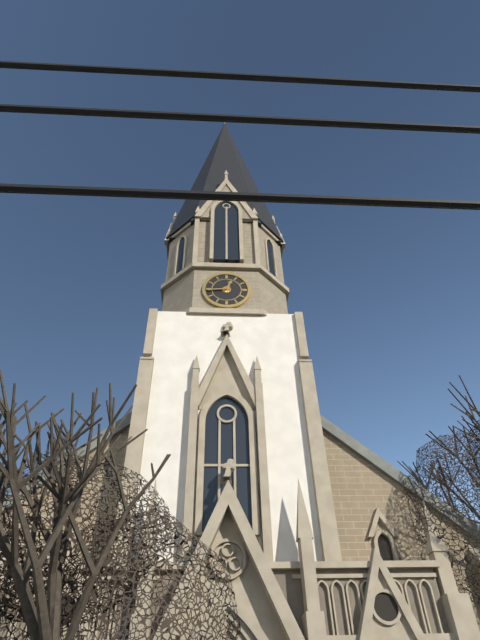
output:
12.44
